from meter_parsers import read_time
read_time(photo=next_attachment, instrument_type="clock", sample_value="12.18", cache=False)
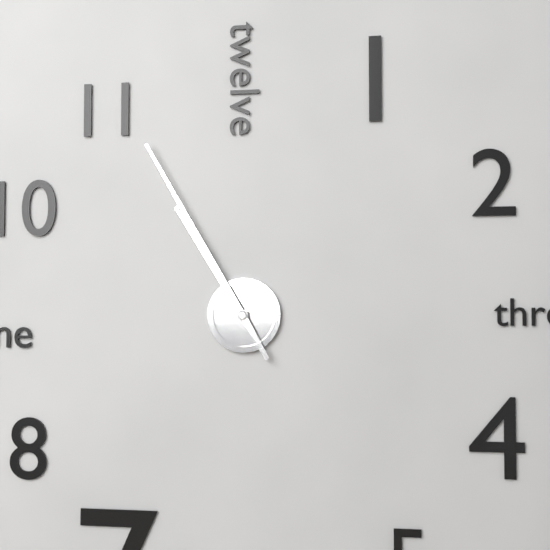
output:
10.55
